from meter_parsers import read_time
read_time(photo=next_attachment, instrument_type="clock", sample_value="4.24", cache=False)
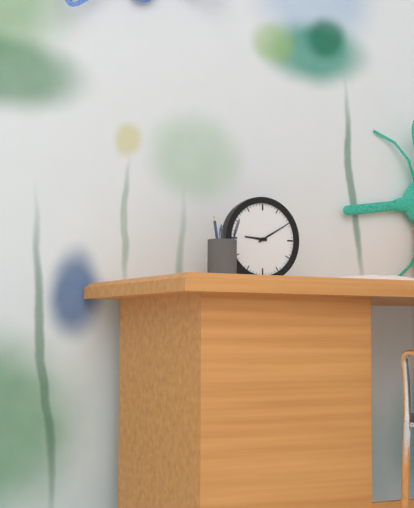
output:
9.10
